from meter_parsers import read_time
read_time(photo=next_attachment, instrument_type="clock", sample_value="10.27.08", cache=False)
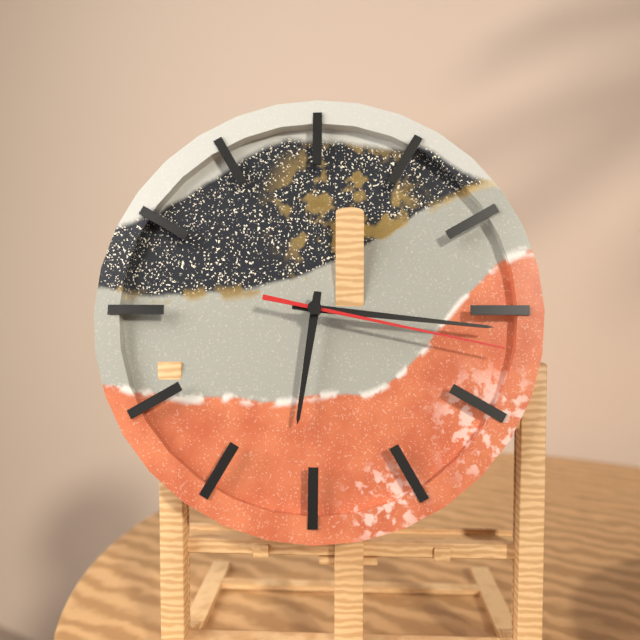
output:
6.16.17
